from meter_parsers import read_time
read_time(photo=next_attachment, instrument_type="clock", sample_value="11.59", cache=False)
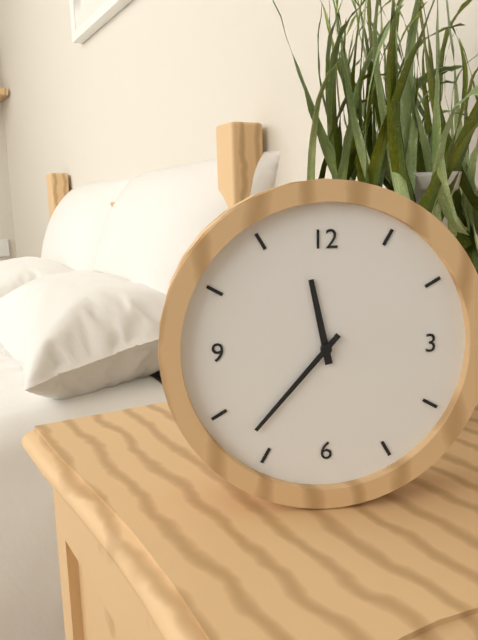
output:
11.37
